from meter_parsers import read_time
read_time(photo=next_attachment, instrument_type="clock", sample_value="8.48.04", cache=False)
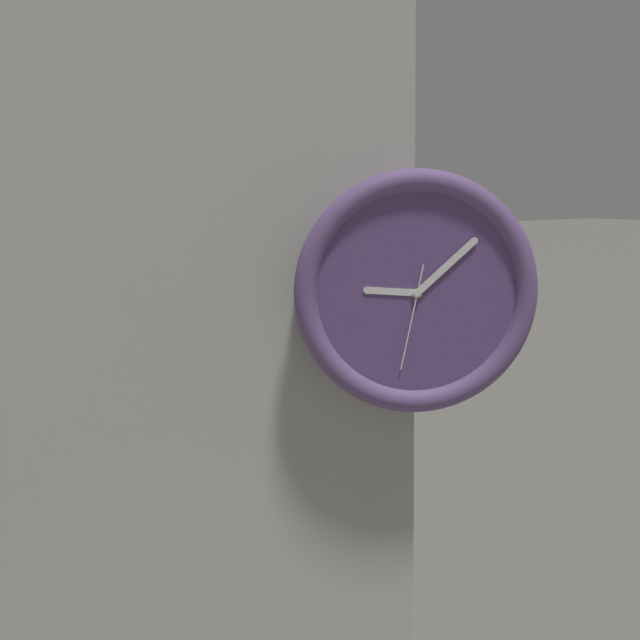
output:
9.08.32
